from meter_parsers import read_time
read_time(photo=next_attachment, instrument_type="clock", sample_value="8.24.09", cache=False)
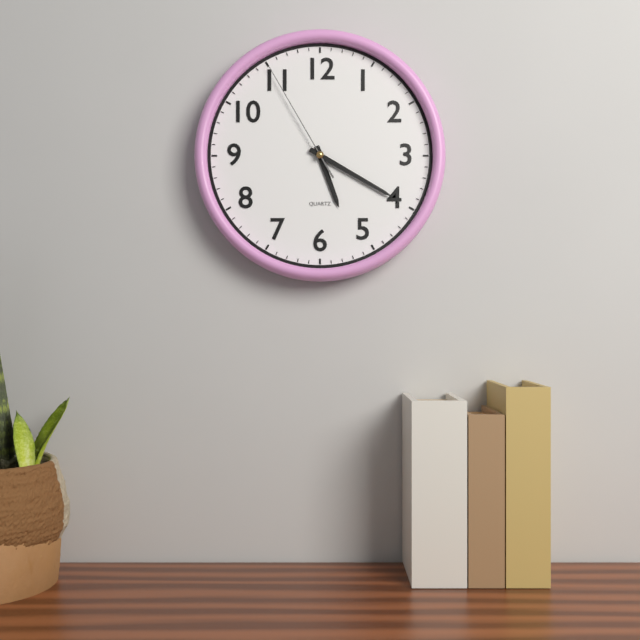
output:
5.20.55
